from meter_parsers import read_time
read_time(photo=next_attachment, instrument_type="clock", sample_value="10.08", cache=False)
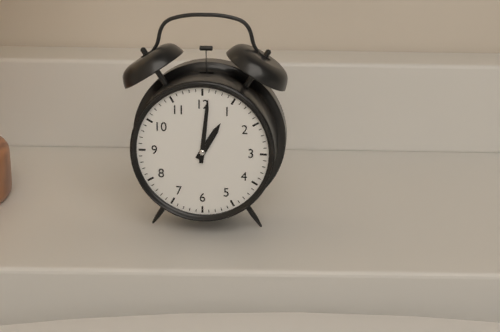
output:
1.01
